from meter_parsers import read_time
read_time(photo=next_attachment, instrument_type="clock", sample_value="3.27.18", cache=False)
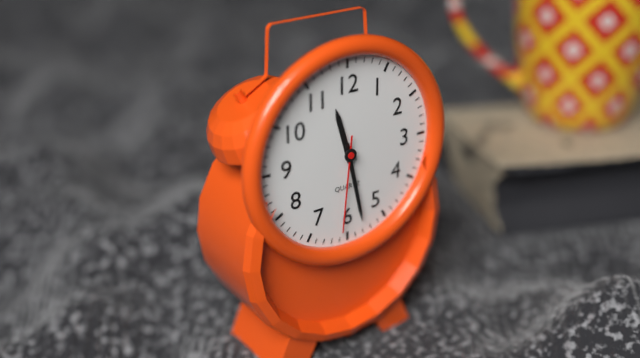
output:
11.28.31
